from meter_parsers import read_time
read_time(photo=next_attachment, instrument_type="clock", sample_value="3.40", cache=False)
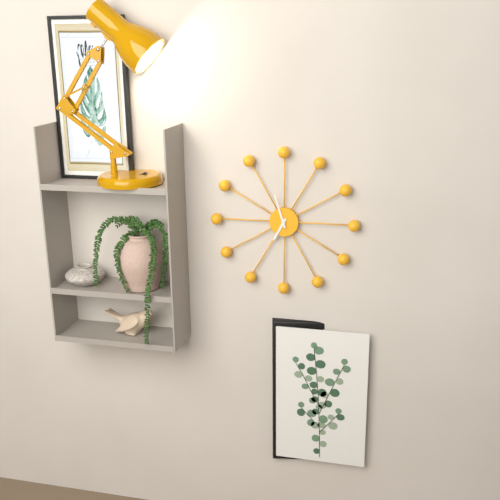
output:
6.57
